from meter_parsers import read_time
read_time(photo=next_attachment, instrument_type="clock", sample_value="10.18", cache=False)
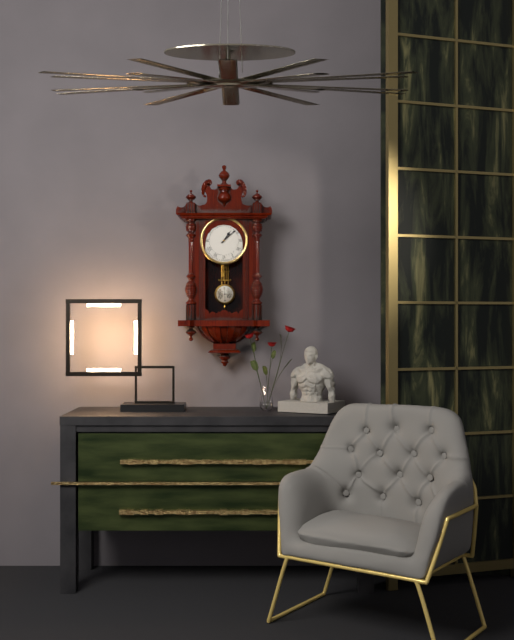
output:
1.08
